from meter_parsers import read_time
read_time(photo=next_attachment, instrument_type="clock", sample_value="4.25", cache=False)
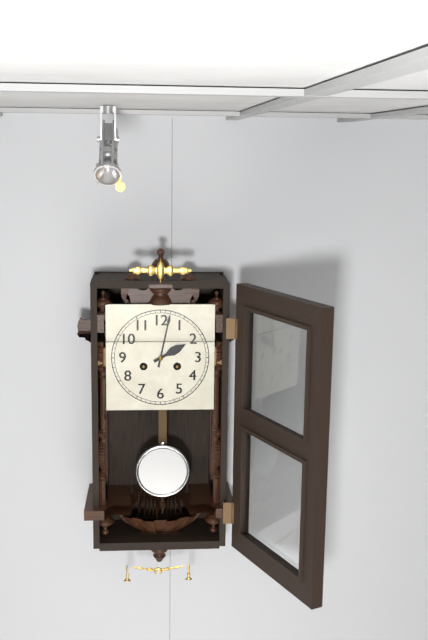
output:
2.02
